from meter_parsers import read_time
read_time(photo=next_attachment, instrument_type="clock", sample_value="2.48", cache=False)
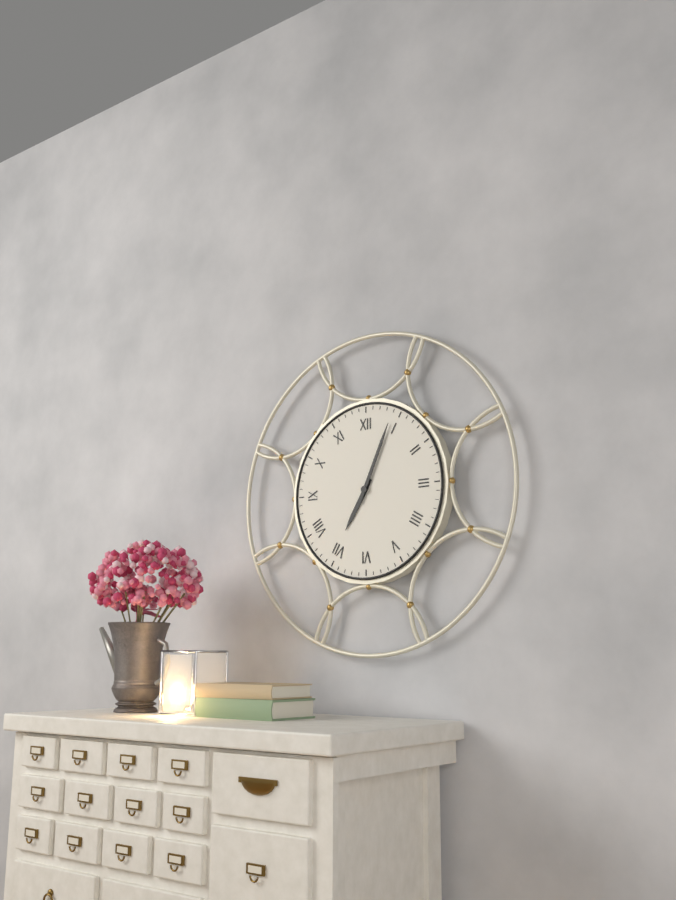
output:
7.04
